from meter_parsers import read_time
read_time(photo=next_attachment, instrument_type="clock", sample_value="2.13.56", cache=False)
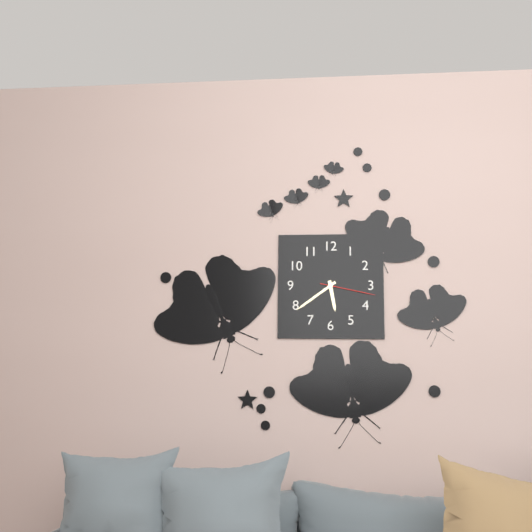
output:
5.39.17
